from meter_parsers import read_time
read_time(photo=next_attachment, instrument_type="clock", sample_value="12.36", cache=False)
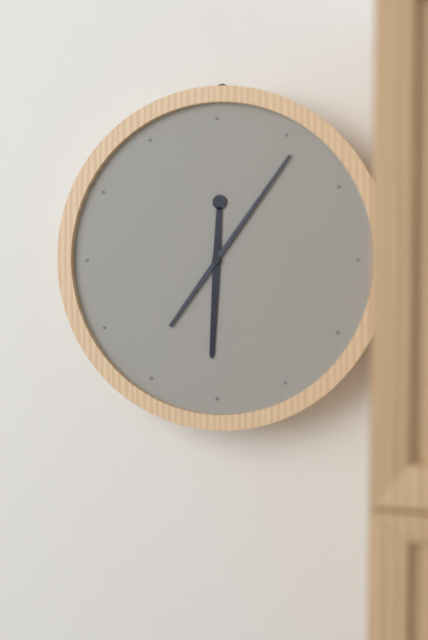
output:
6.06
